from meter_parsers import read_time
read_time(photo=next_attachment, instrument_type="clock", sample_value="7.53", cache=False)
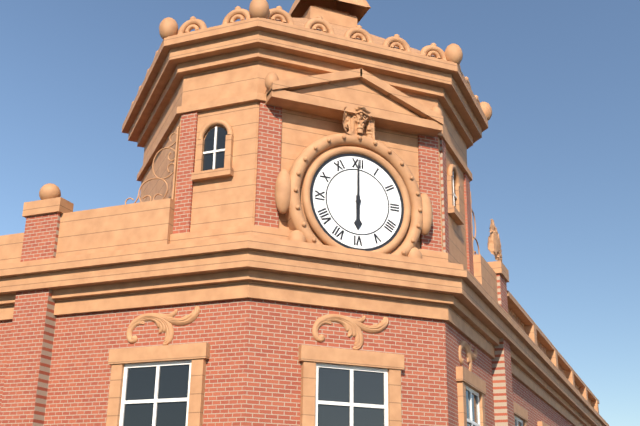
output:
6.00
